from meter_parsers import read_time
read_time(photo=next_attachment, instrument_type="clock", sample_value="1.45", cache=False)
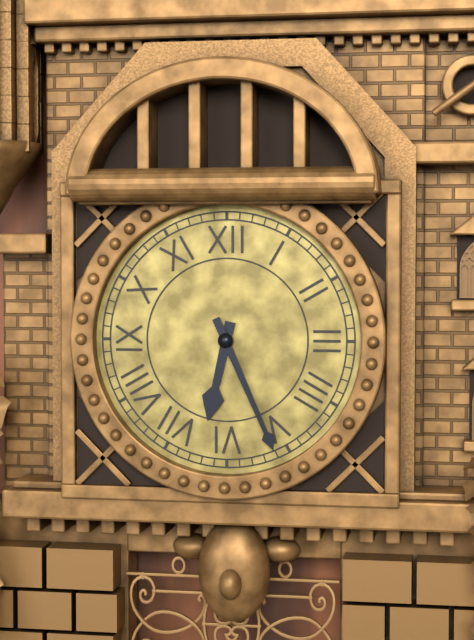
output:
6.26
